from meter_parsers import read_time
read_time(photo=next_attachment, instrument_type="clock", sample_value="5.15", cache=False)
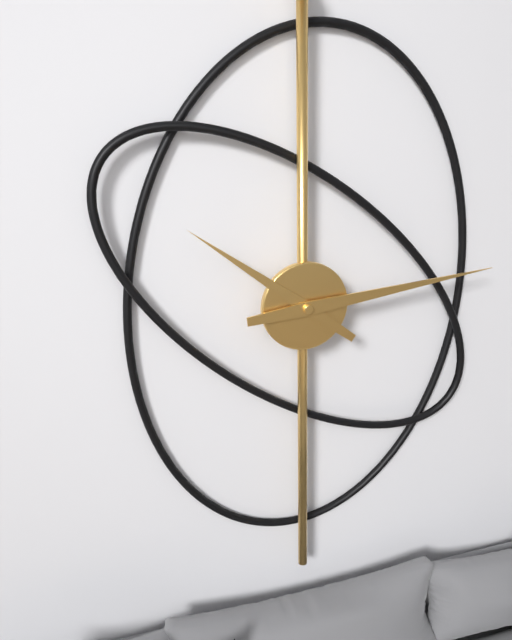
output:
10.14
